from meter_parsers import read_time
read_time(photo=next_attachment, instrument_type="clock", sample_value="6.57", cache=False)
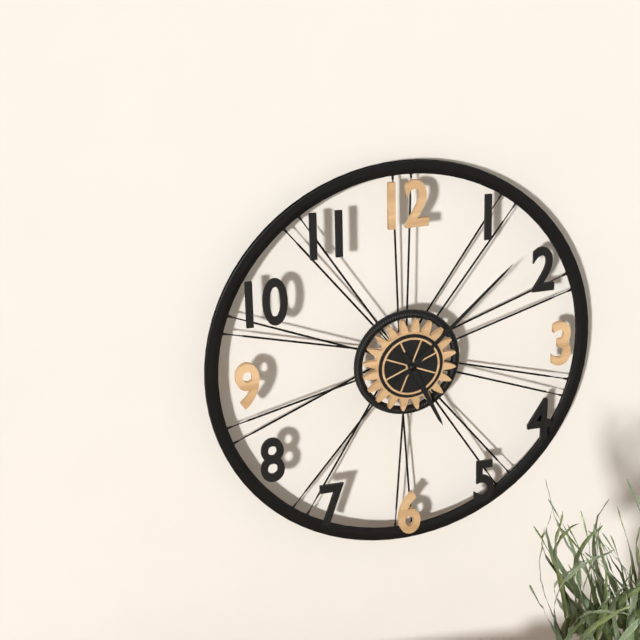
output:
5.08
